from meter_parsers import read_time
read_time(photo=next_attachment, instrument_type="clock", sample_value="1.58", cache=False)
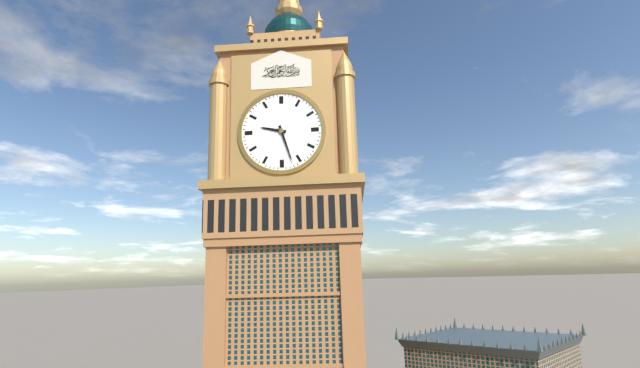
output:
9.27
